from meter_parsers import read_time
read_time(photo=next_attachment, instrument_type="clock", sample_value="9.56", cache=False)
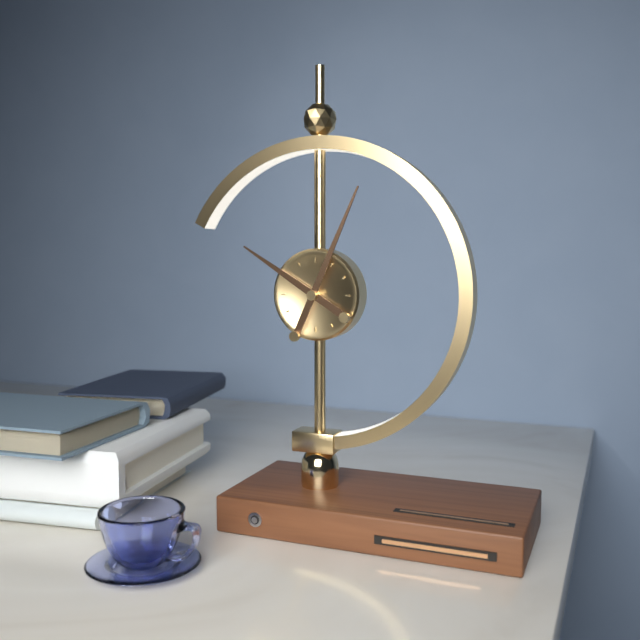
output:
10.04
